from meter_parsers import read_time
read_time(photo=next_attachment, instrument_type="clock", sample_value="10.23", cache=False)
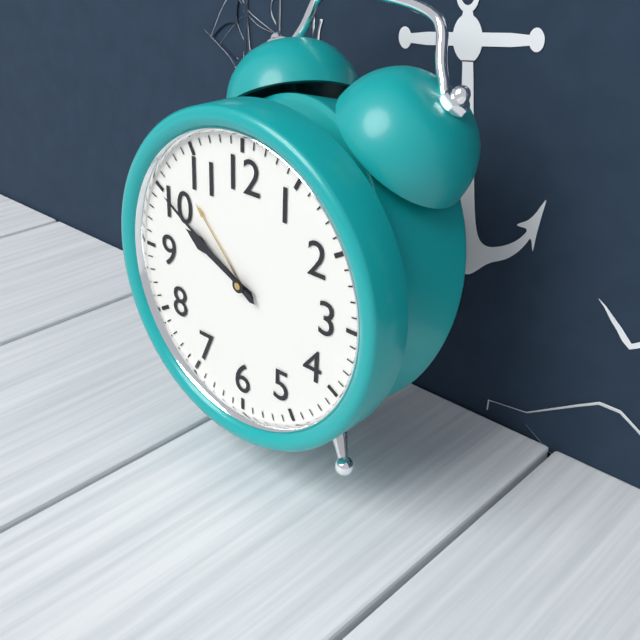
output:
9.50
